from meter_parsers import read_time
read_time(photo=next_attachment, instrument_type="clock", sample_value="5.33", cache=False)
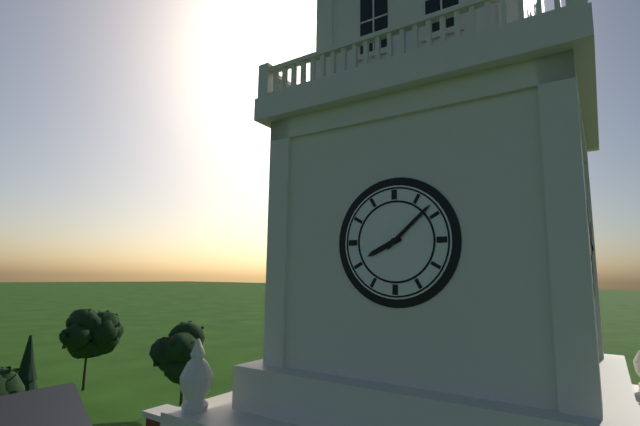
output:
8.08
